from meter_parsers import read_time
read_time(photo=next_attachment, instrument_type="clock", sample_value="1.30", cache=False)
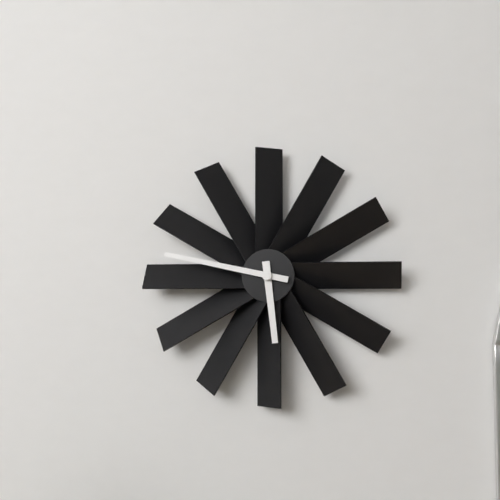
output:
5.47
